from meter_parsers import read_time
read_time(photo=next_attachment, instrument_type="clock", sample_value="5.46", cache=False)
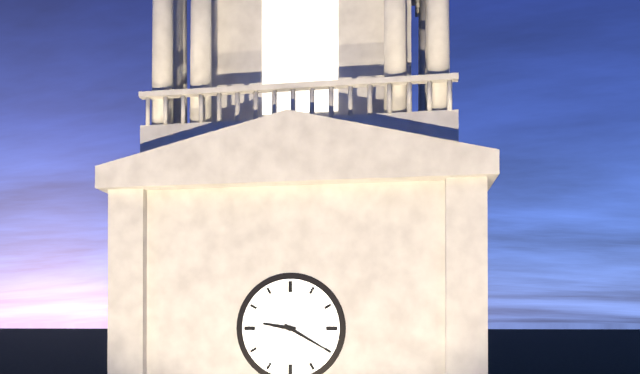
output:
9.20
